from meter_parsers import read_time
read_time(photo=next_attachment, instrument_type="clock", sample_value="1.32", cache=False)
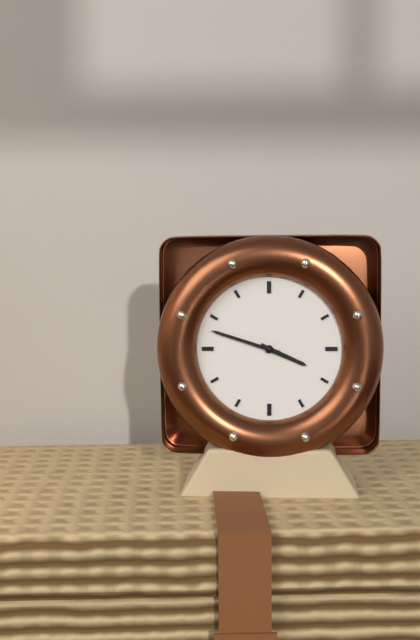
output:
3.48
